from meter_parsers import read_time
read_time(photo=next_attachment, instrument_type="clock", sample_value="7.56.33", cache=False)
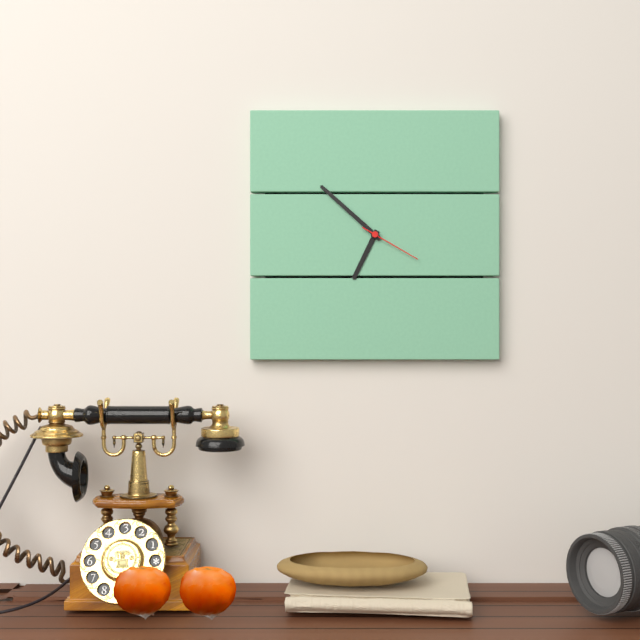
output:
6.52.20
